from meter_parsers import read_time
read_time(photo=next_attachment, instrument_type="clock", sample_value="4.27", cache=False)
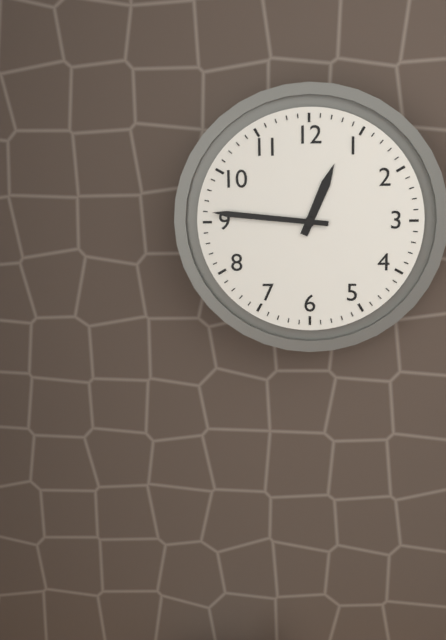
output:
12.46
